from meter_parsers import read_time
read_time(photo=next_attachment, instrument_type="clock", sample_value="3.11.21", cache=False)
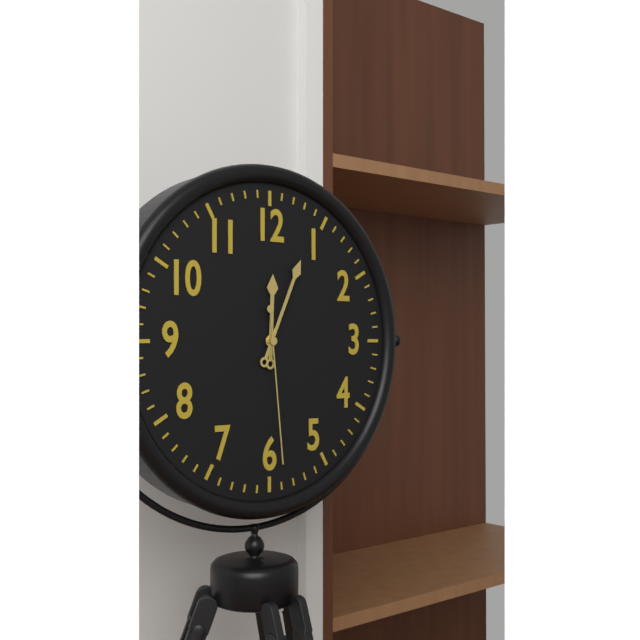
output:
12.04.29
